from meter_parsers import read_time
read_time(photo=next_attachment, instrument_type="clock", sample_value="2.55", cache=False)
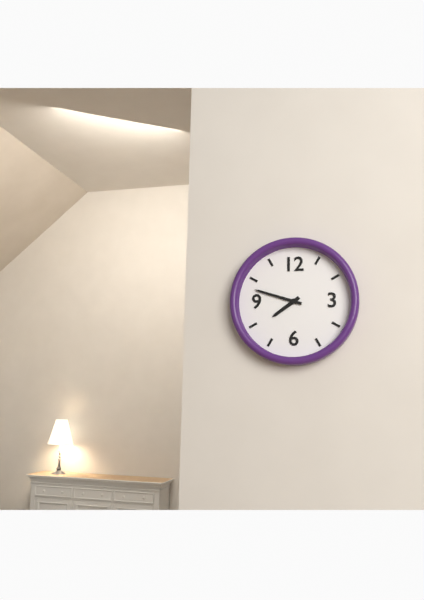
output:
7.48
